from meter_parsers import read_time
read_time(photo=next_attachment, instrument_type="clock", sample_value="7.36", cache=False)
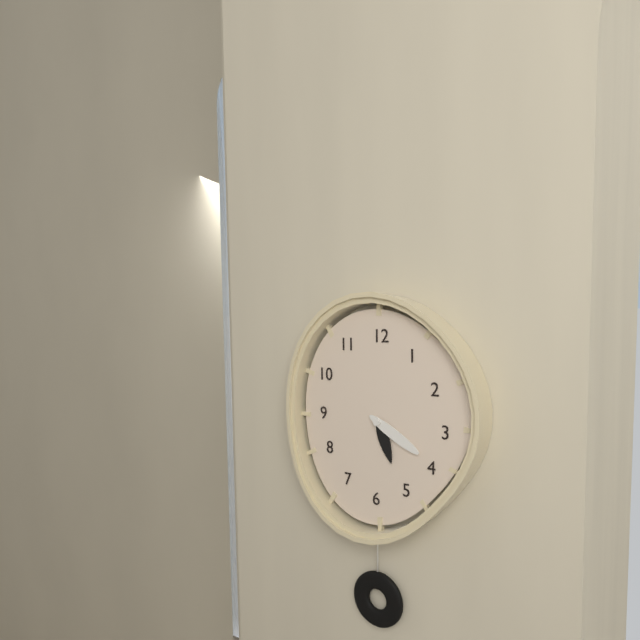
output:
5.20
